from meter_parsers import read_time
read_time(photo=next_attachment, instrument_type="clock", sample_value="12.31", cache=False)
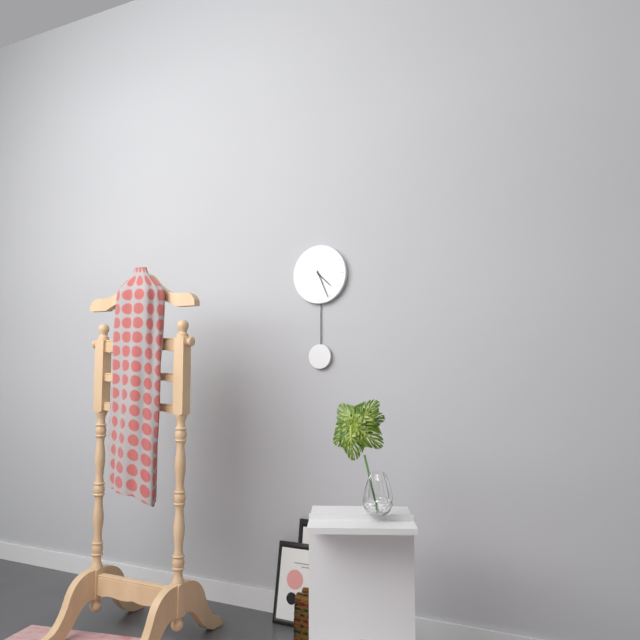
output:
4.26
